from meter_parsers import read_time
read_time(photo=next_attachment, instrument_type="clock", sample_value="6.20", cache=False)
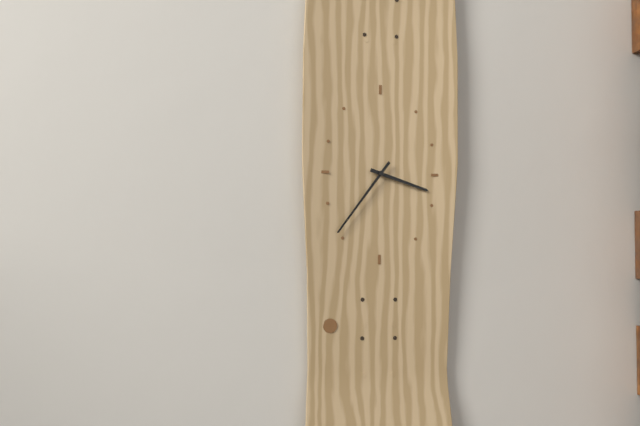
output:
3.36
